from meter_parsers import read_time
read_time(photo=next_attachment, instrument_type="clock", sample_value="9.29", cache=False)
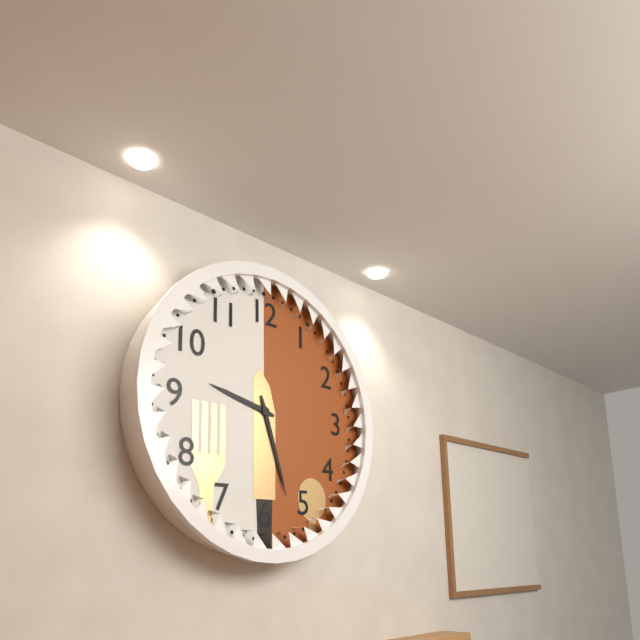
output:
9.27
